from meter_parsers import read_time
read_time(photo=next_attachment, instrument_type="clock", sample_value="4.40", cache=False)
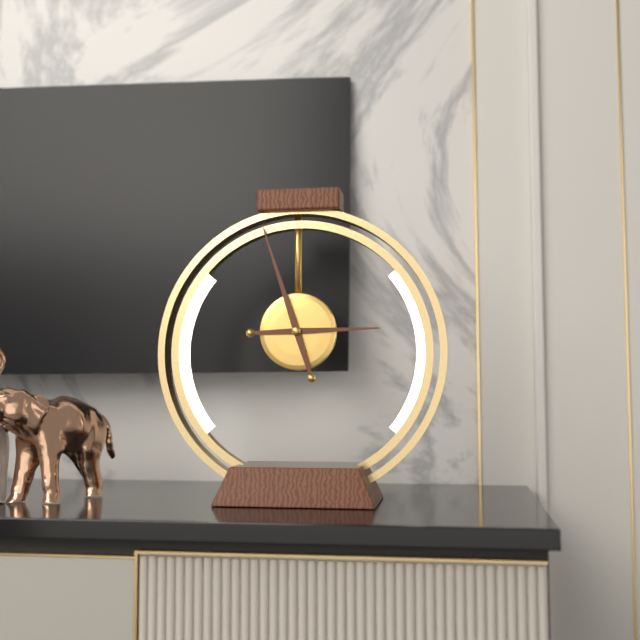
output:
2.57
